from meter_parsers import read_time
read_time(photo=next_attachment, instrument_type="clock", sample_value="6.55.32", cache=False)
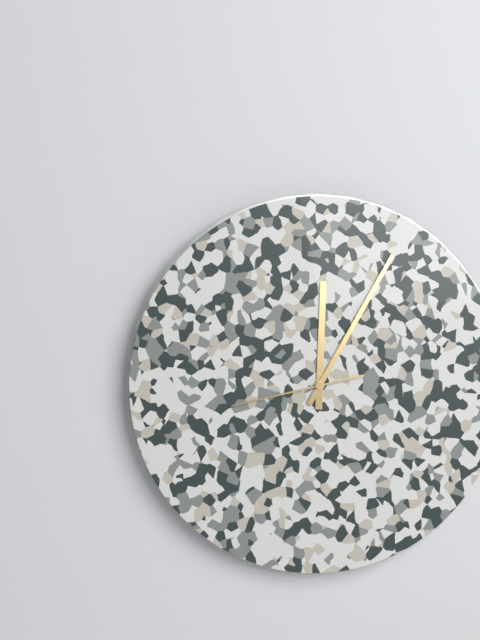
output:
12.05.43
